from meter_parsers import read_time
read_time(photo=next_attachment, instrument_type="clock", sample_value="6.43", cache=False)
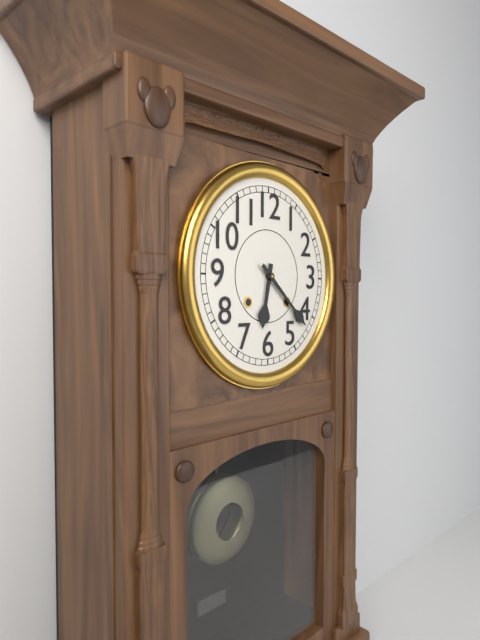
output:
6.22
